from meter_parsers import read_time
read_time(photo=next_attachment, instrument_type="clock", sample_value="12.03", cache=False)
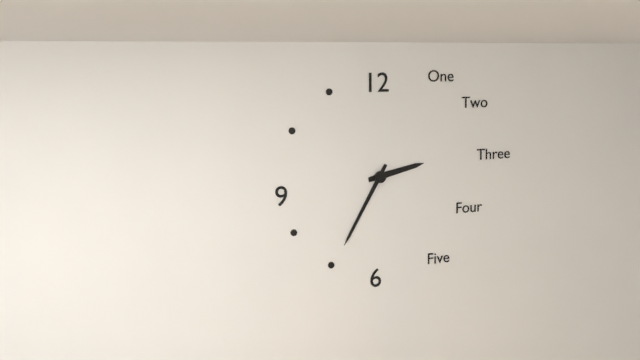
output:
2.35
